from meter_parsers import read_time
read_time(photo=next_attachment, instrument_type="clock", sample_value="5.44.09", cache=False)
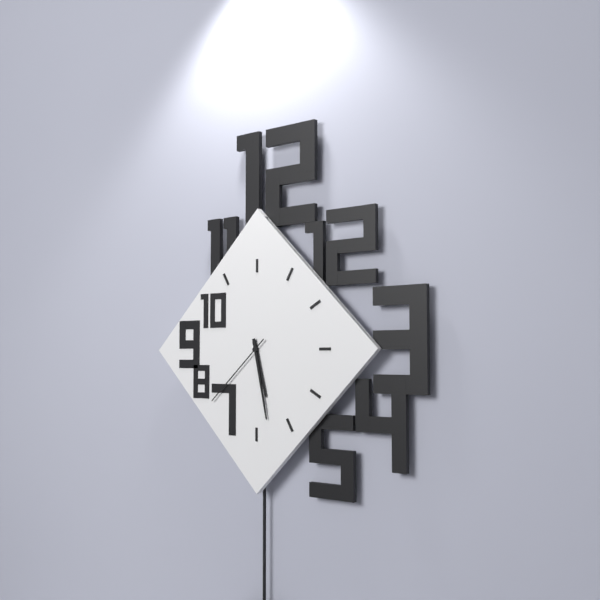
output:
5.28.38
